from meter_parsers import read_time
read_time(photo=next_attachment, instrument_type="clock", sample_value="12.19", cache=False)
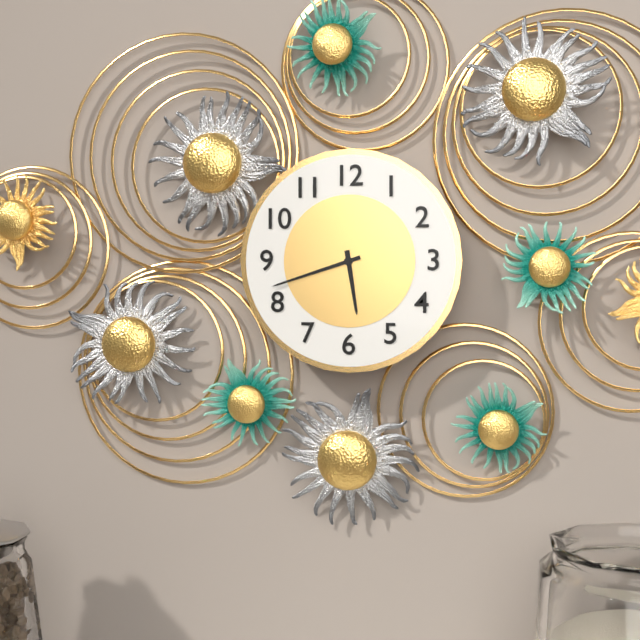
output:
5.42
